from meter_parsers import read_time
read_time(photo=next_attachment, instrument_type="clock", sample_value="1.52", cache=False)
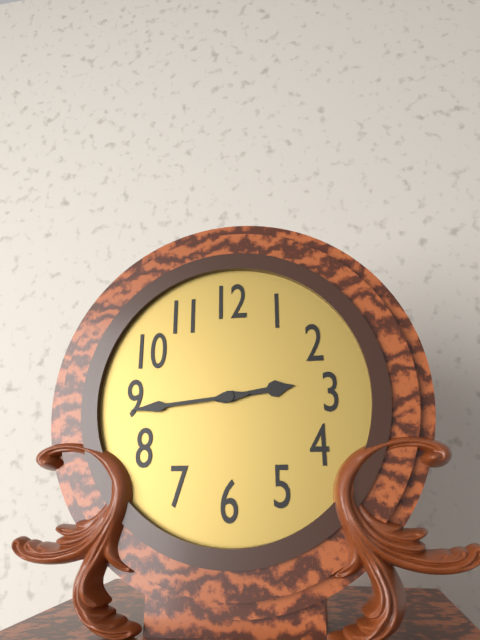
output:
2.44
